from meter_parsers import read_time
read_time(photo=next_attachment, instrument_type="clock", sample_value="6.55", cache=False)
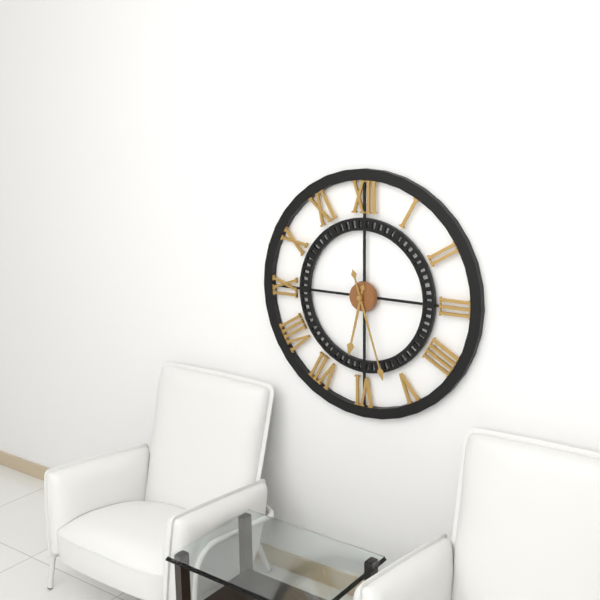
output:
6.27
